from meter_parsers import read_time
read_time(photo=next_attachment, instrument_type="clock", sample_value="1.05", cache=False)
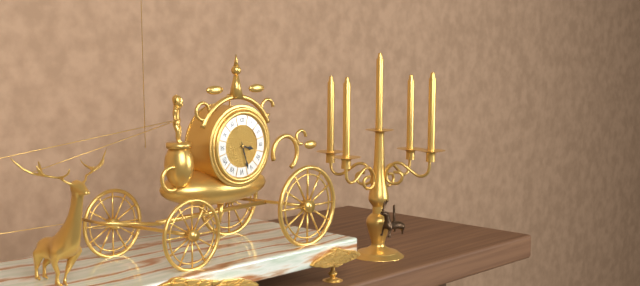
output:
3.27
